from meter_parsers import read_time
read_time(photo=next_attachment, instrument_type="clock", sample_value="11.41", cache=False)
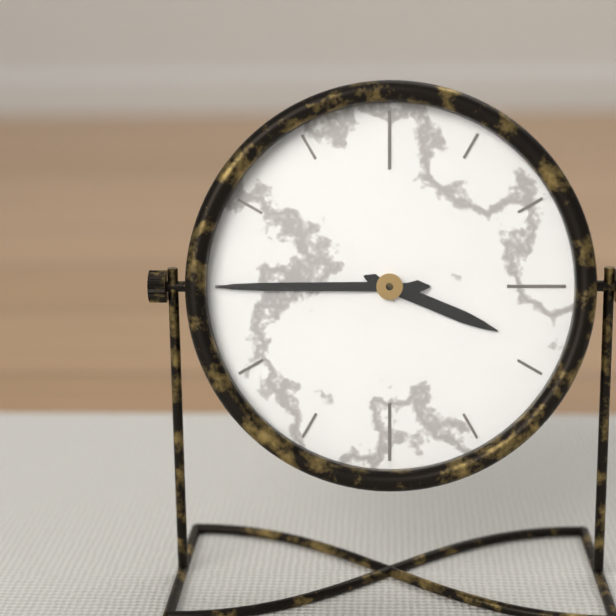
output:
3.45
